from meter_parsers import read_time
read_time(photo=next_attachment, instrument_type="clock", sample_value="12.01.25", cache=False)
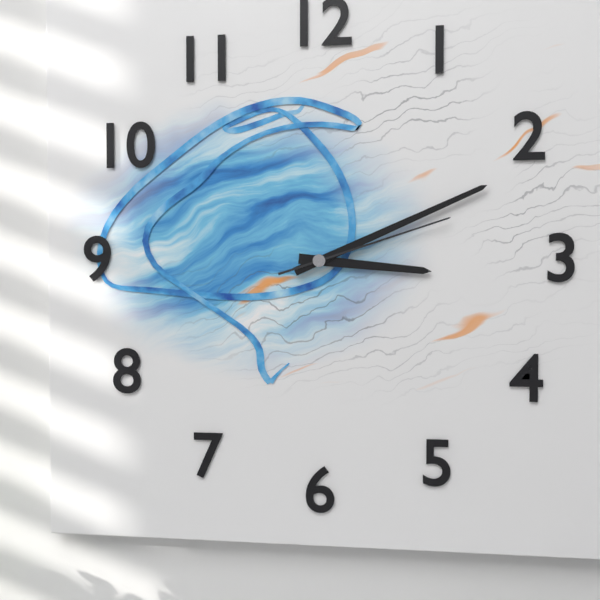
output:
3.11.12
